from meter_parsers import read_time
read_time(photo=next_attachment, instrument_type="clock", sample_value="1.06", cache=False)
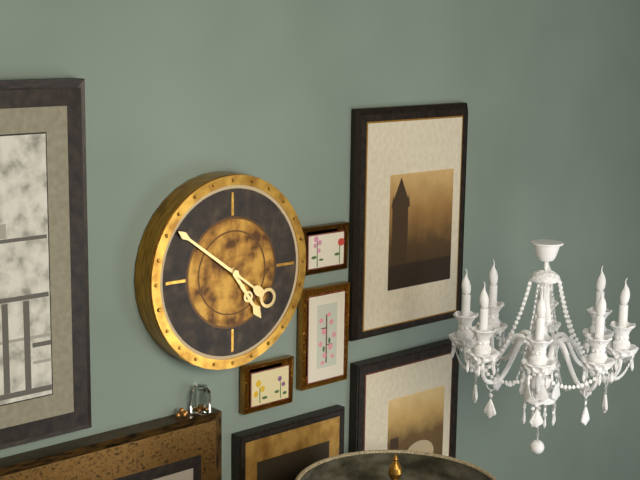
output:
4.51
